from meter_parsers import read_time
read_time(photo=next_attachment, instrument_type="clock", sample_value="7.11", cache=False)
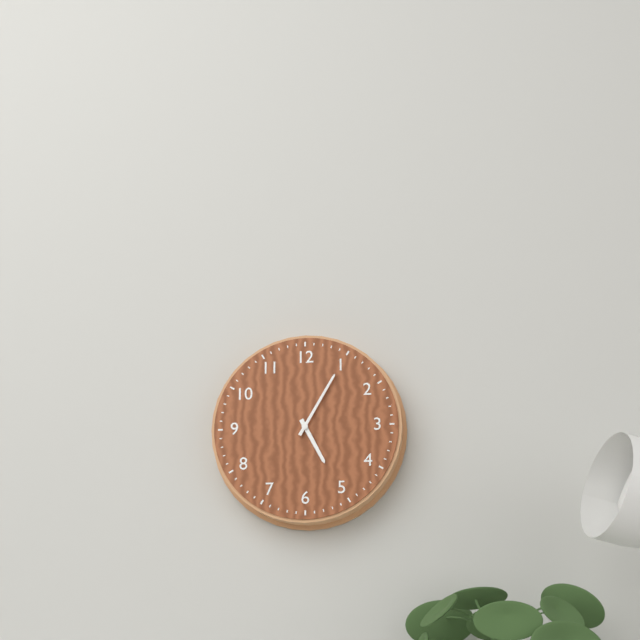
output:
5.05
